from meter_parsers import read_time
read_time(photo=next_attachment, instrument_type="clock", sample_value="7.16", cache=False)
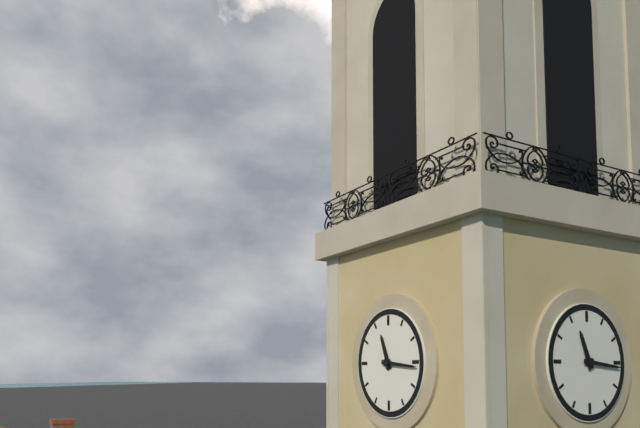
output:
11.16
